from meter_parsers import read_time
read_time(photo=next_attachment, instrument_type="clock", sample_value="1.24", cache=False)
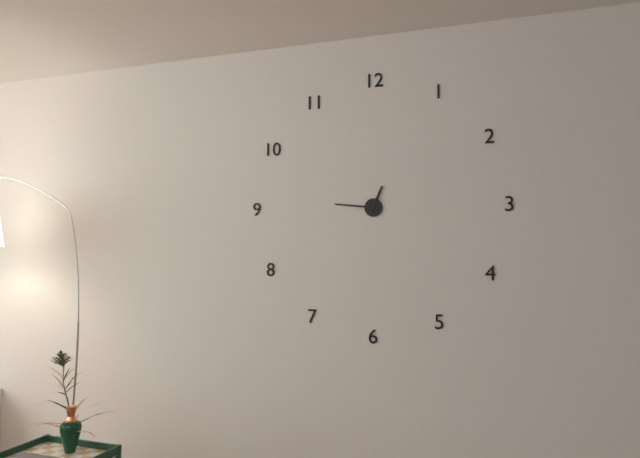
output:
12.46
